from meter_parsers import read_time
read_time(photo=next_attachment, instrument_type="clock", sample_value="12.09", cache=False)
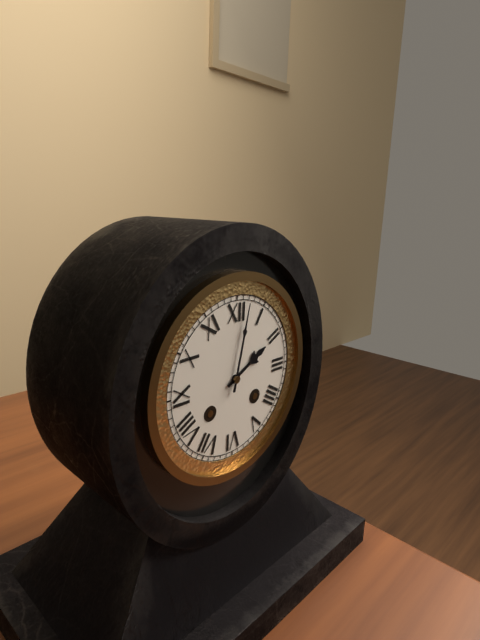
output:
2.02
